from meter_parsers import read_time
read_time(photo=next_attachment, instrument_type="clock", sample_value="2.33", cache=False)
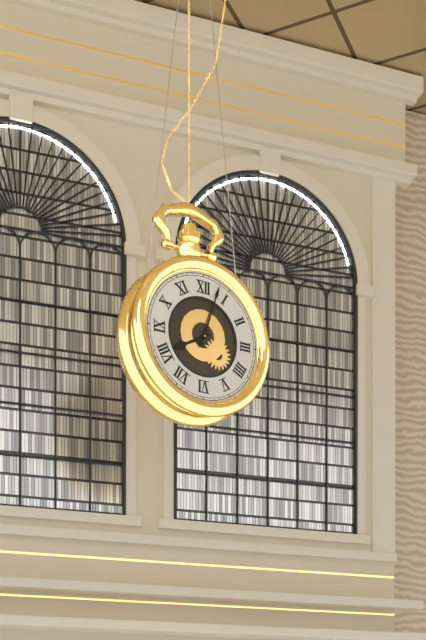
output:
8.03
